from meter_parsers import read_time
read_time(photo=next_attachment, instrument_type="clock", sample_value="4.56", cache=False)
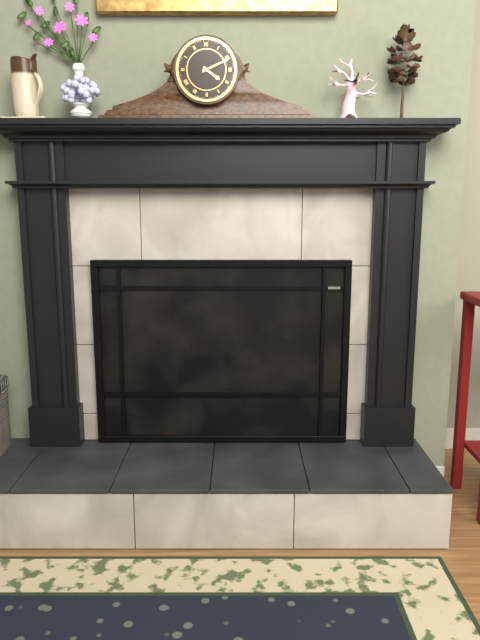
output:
4.11
